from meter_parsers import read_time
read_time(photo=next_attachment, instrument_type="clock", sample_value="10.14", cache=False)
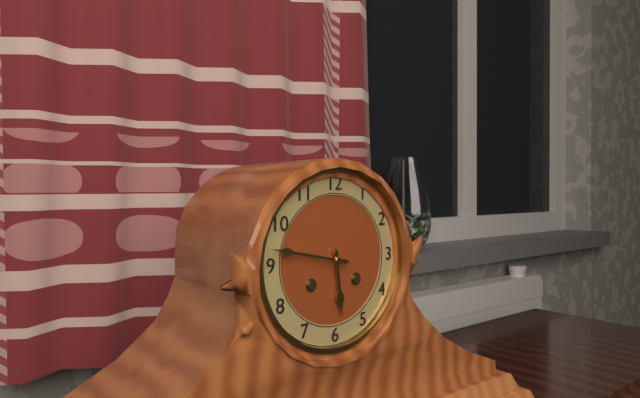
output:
5.47
